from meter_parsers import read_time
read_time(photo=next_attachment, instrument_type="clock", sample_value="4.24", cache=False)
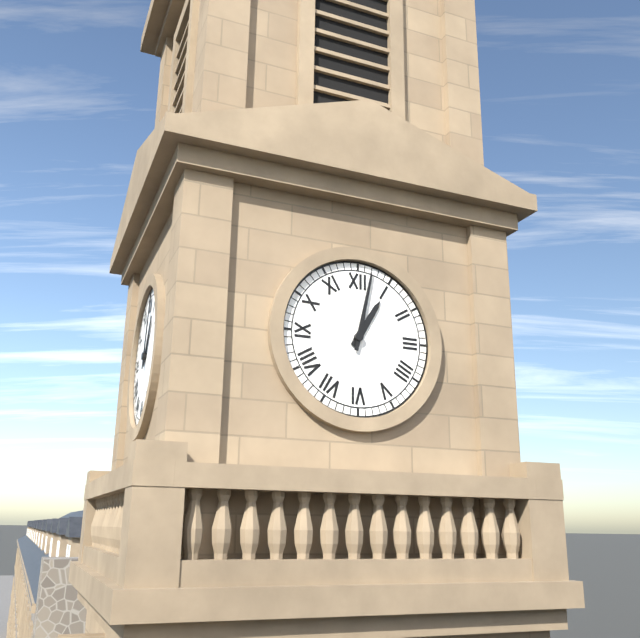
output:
1.02
